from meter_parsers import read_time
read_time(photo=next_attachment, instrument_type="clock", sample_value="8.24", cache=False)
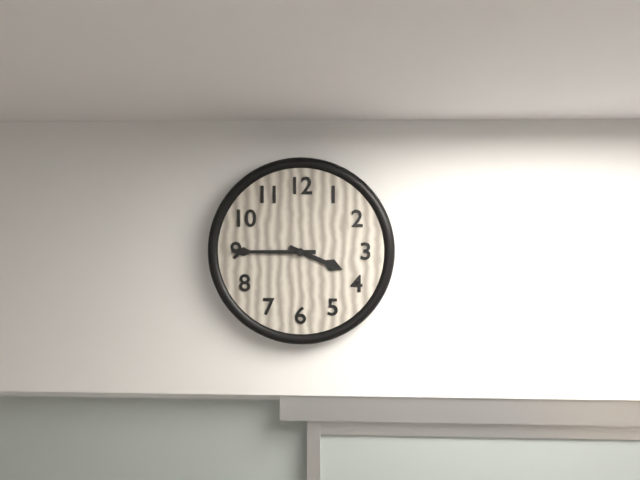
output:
3.45
